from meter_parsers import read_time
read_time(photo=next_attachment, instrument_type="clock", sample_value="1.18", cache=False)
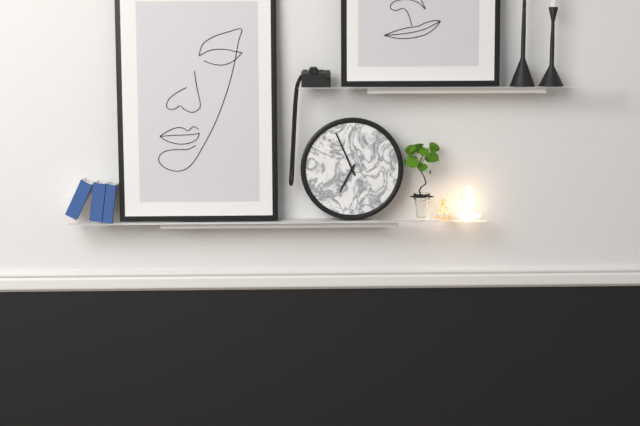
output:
6.56
